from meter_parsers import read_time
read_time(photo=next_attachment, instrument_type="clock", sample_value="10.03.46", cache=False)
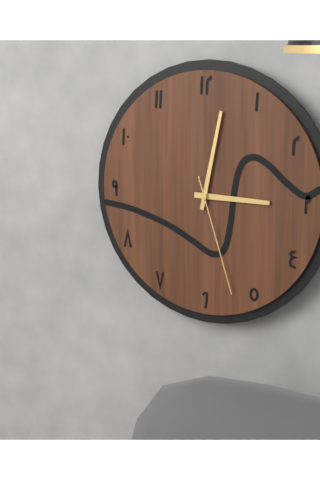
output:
3.02.27
